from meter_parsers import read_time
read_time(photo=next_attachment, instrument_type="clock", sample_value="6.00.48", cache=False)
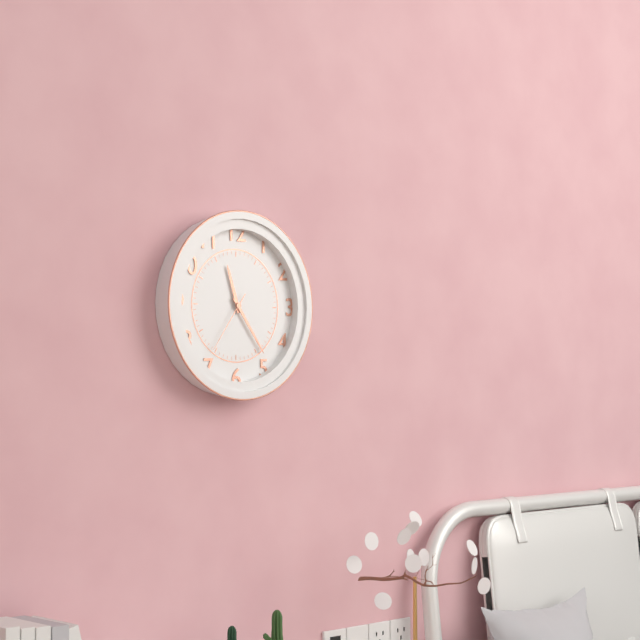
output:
11.24.36
